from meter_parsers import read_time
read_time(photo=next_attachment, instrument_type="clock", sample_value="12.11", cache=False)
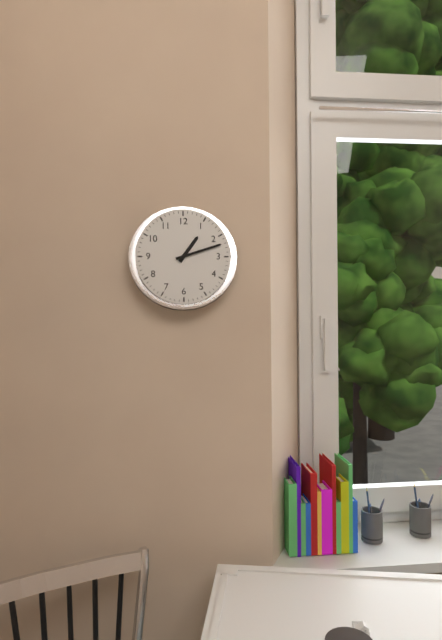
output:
1.12
